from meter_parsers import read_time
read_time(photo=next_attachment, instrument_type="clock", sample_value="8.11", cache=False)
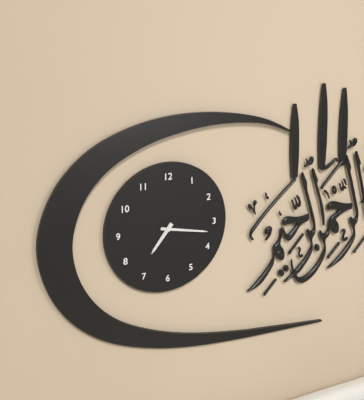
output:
7.17
